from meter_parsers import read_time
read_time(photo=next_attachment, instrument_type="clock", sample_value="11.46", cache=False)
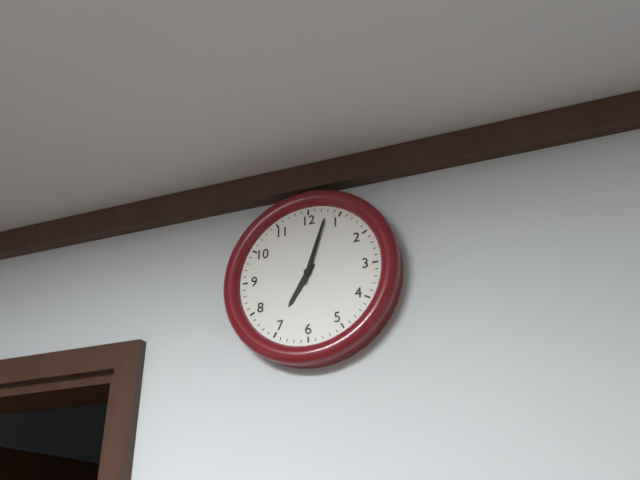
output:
7.03
